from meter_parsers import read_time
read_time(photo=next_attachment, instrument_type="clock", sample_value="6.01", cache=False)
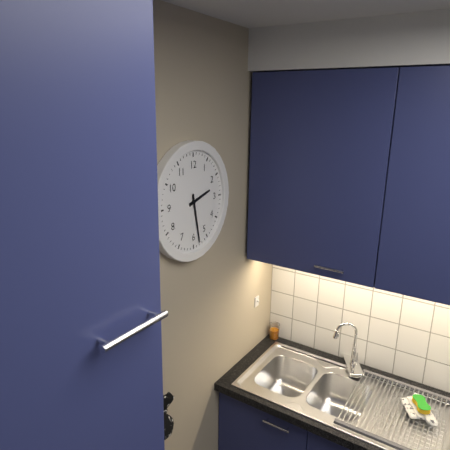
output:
2.28
